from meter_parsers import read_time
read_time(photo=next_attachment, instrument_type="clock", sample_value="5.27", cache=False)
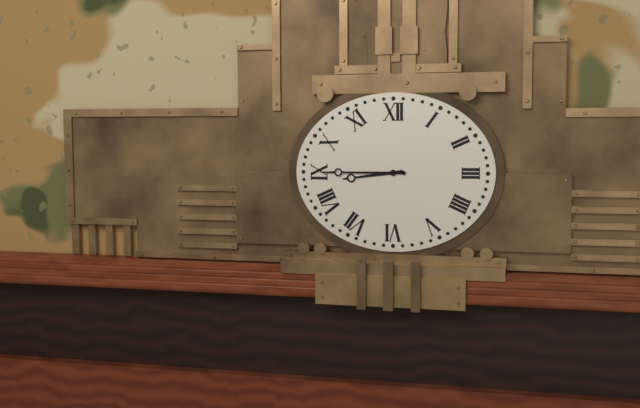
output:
8.45
